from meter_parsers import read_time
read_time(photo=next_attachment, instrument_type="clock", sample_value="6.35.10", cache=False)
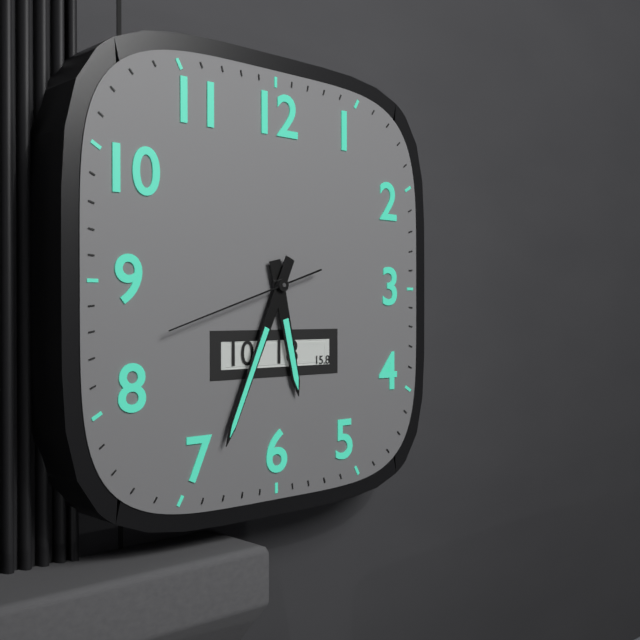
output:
5.34.42
